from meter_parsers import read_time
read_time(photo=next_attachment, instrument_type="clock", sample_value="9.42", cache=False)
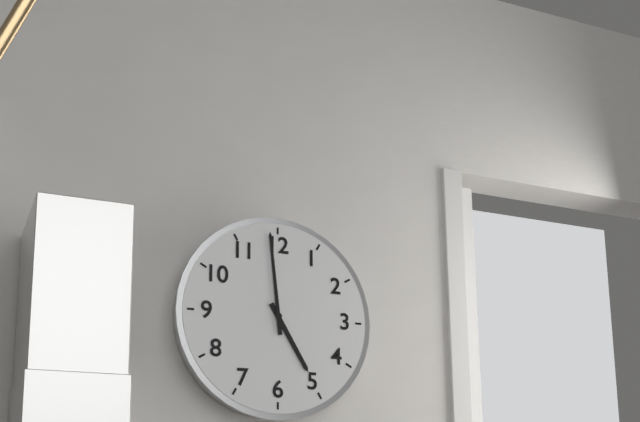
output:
4.59
